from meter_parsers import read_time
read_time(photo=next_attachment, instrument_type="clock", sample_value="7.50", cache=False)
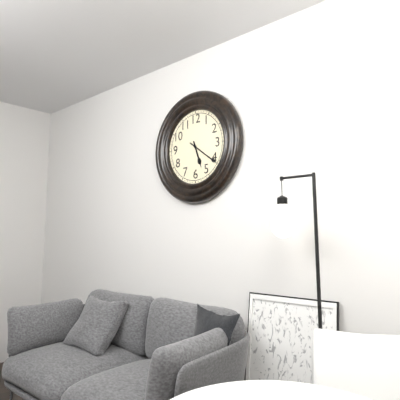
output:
5.21
